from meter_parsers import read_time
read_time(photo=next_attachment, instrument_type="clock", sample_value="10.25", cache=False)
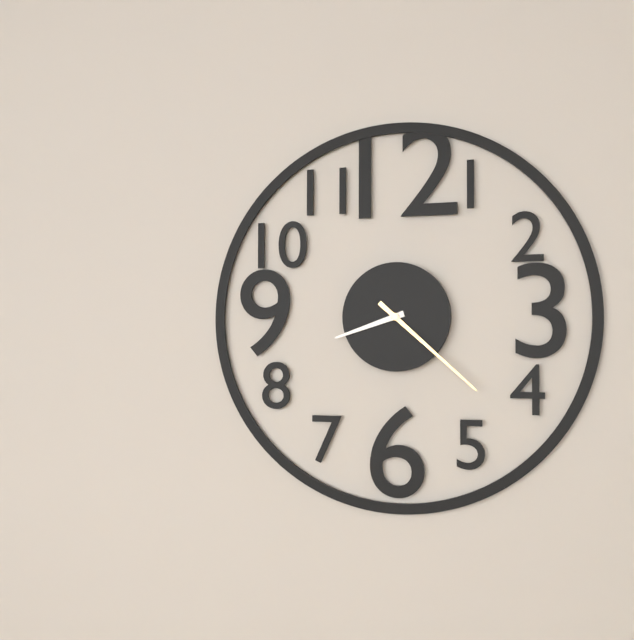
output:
8.22
